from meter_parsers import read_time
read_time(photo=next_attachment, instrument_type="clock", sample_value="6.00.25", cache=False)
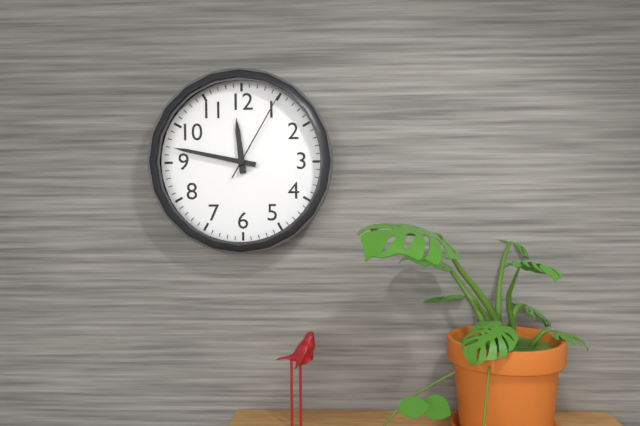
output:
11.47.05
